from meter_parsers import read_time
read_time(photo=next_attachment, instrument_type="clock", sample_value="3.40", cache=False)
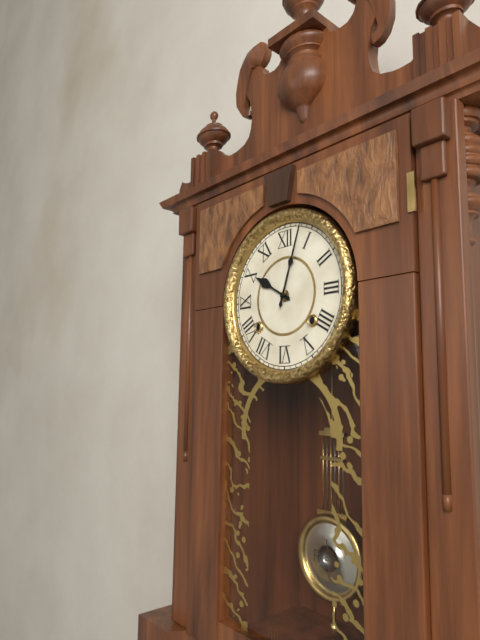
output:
10.03
